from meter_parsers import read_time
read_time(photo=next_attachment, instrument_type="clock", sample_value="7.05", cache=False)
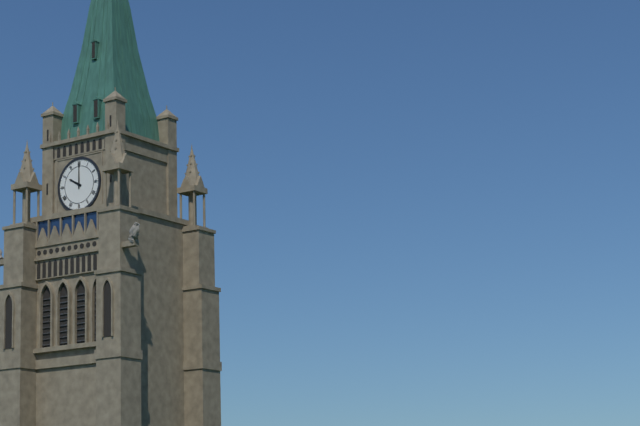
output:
10.00
